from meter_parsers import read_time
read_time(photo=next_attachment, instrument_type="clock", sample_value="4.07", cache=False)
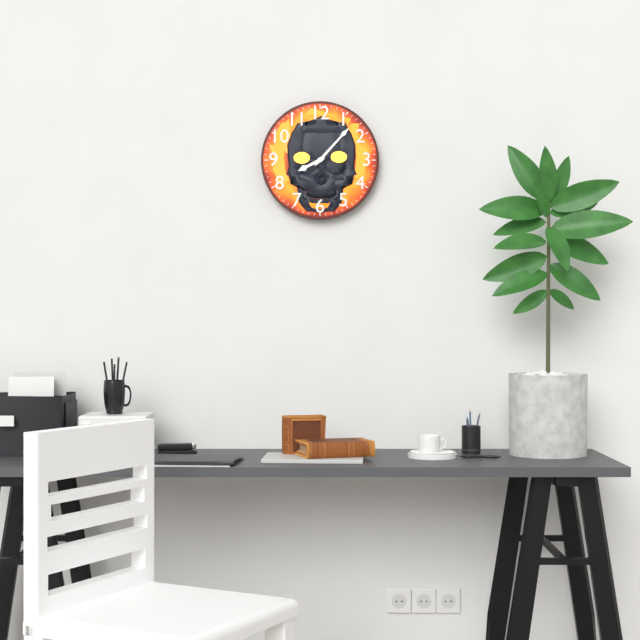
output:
8.07
